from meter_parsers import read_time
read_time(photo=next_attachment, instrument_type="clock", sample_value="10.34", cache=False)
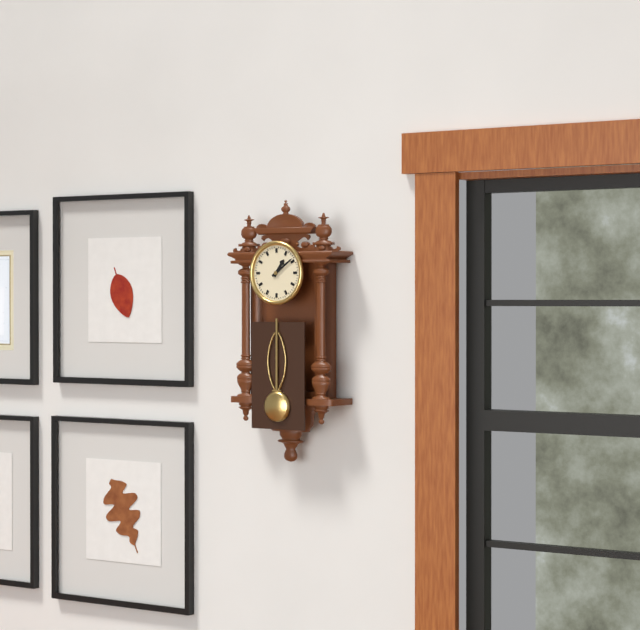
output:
1.09
